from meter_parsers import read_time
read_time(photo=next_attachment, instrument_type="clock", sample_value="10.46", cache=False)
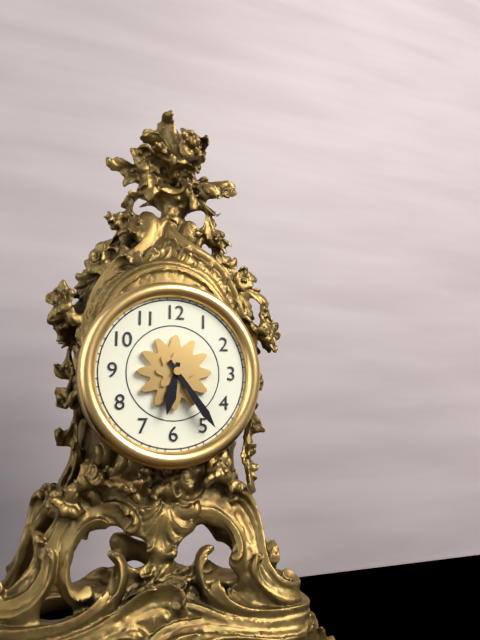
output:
6.24
